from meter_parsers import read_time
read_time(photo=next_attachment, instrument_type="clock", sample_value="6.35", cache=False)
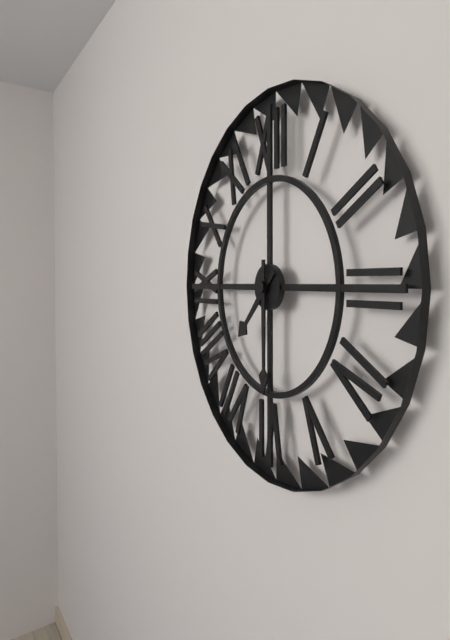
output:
7.30
